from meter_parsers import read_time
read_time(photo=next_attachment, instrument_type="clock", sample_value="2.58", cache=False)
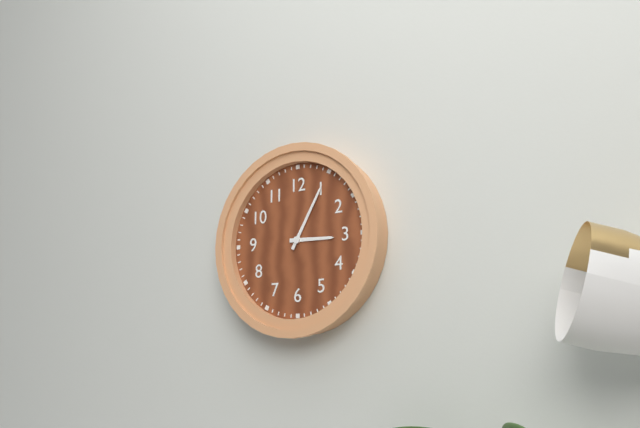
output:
3.05
